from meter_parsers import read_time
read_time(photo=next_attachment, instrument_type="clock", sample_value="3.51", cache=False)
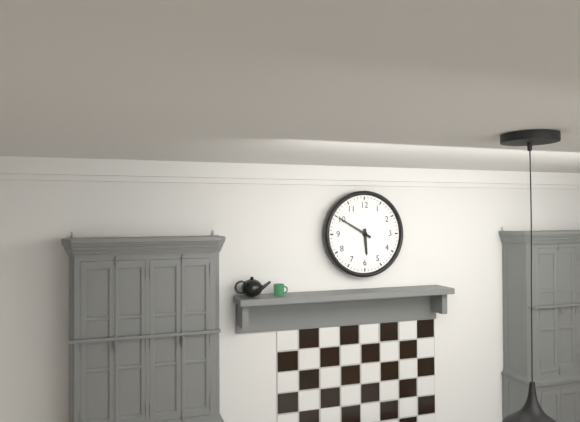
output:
5.50
